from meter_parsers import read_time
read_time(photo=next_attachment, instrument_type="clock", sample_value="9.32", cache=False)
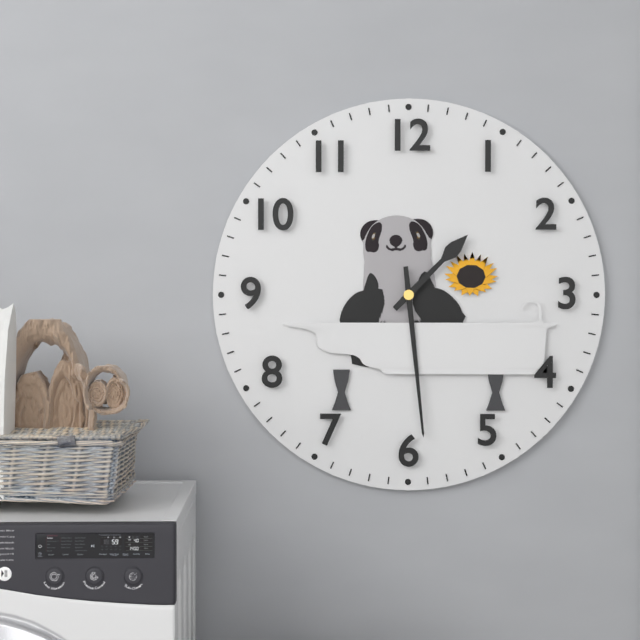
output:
1.29
